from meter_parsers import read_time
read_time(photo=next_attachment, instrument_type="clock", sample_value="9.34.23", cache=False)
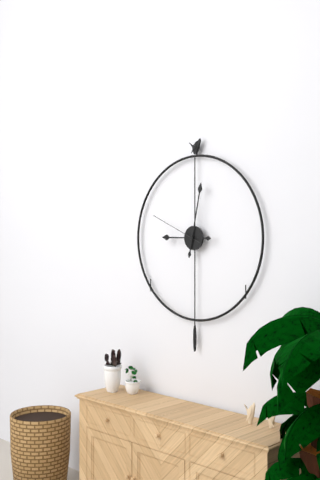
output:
9.02.49
